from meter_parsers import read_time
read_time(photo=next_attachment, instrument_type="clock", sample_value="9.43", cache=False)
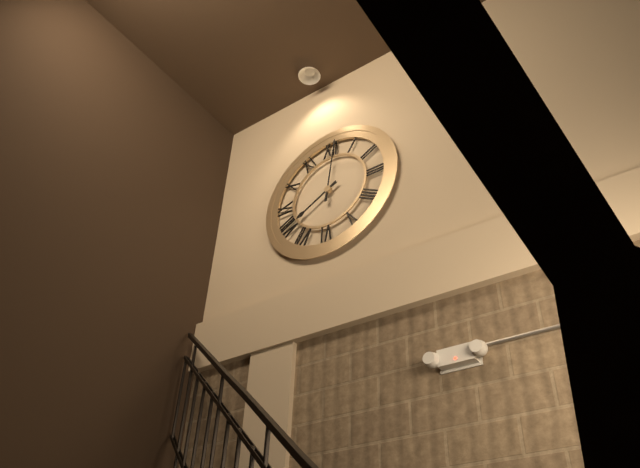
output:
8.01
